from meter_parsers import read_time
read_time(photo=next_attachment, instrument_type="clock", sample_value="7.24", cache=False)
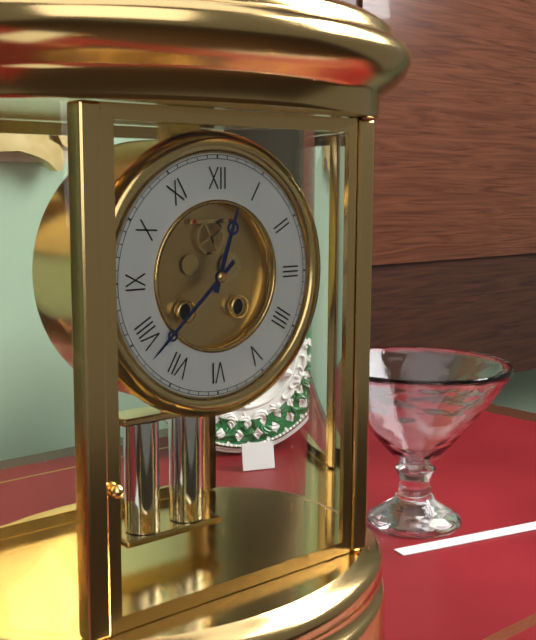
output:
12.38
